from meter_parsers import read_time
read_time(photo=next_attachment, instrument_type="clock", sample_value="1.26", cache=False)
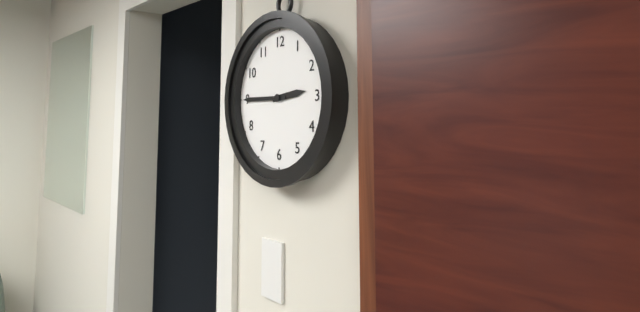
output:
2.45
